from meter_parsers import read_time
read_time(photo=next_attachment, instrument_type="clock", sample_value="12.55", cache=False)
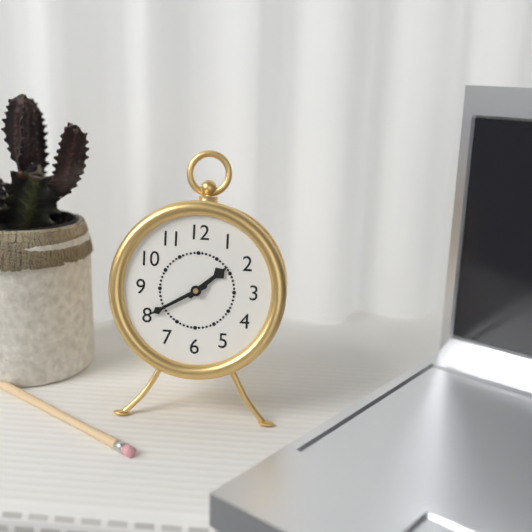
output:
1.40
